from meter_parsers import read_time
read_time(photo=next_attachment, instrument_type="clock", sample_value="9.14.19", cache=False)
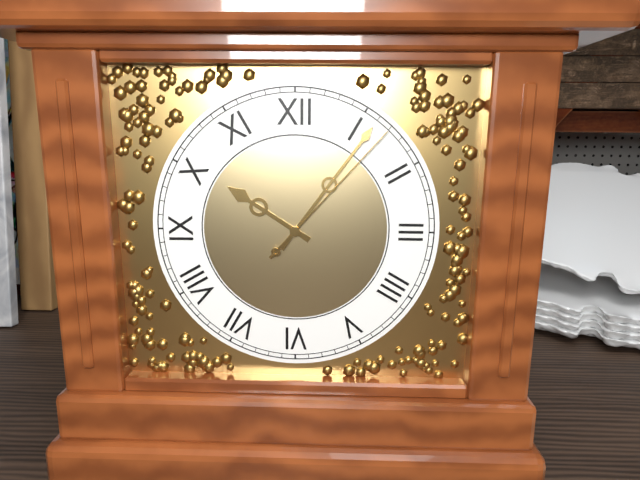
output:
10.06.07
